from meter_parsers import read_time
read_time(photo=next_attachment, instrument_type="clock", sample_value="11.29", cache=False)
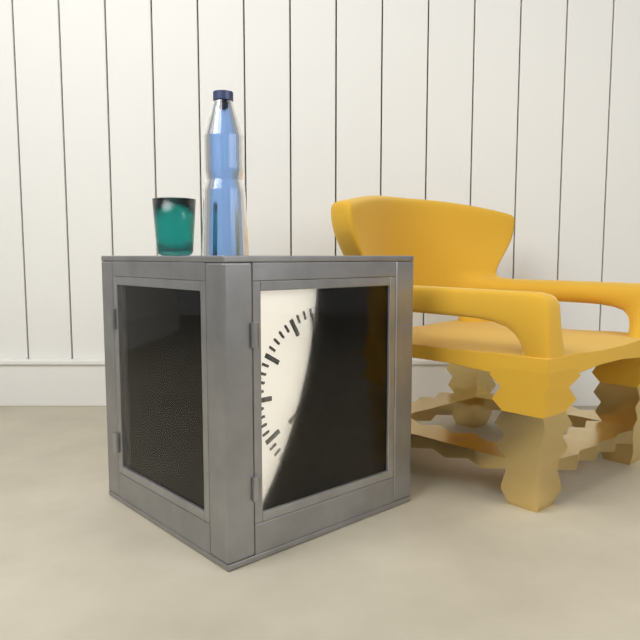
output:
7.58
